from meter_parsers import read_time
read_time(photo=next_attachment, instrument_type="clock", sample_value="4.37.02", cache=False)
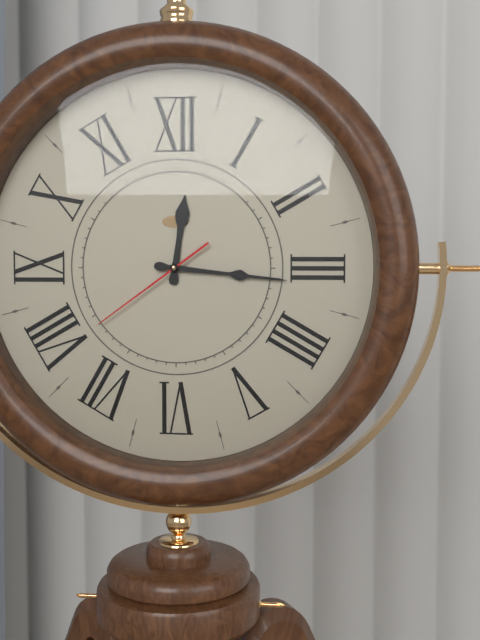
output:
12.16.39
